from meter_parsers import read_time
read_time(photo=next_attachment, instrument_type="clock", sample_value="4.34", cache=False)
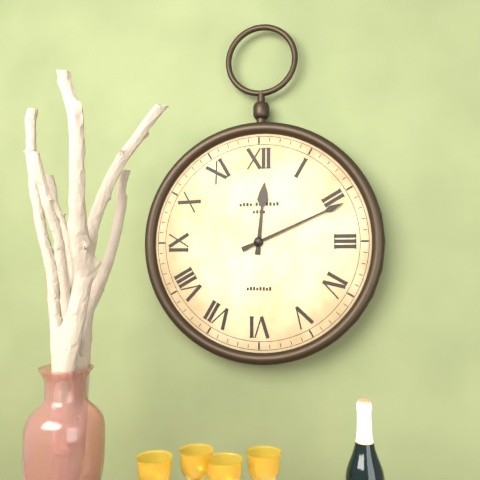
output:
12.11
